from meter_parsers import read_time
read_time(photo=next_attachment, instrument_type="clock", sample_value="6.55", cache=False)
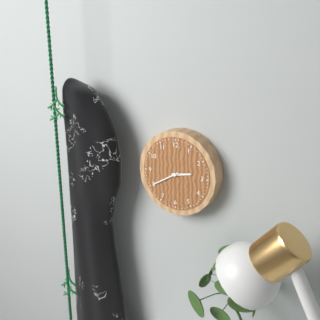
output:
2.40
